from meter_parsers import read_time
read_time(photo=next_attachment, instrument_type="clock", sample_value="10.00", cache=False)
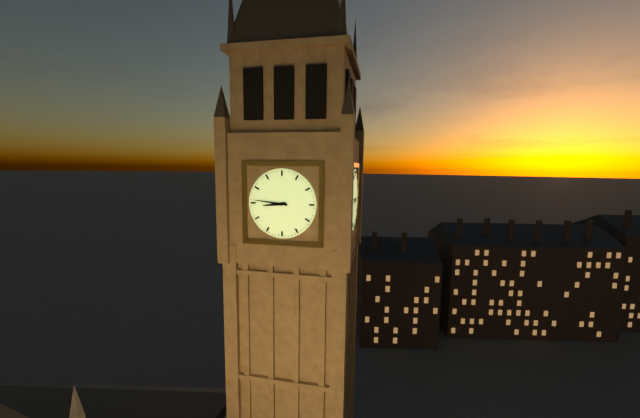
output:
8.46
